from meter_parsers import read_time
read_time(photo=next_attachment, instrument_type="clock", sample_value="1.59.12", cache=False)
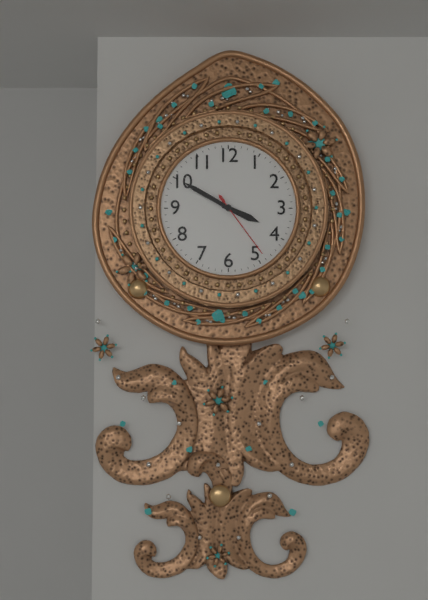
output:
3.50.24
